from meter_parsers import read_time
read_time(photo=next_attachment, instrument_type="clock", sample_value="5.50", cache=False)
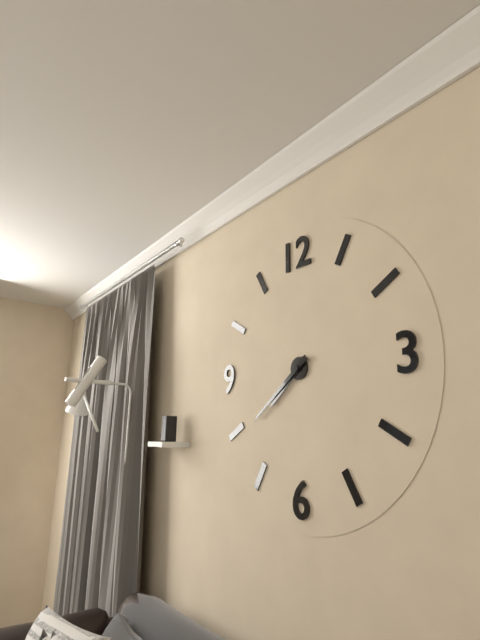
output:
7.39
